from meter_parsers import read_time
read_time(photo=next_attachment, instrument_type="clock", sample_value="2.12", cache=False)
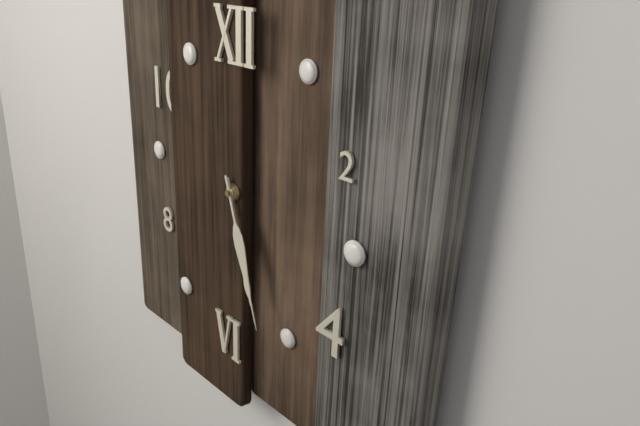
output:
5.27
